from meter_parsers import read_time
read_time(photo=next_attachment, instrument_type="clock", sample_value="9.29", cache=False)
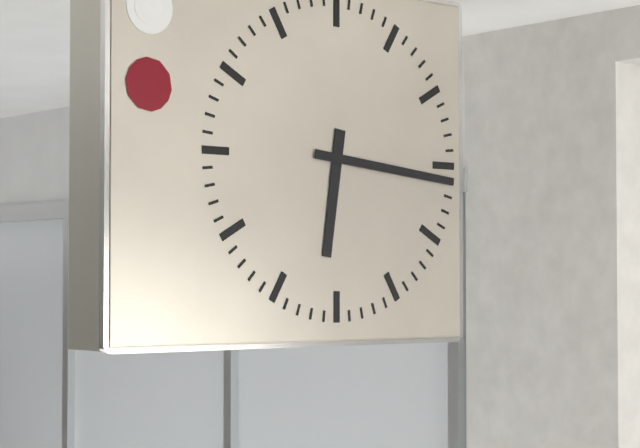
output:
6.16
